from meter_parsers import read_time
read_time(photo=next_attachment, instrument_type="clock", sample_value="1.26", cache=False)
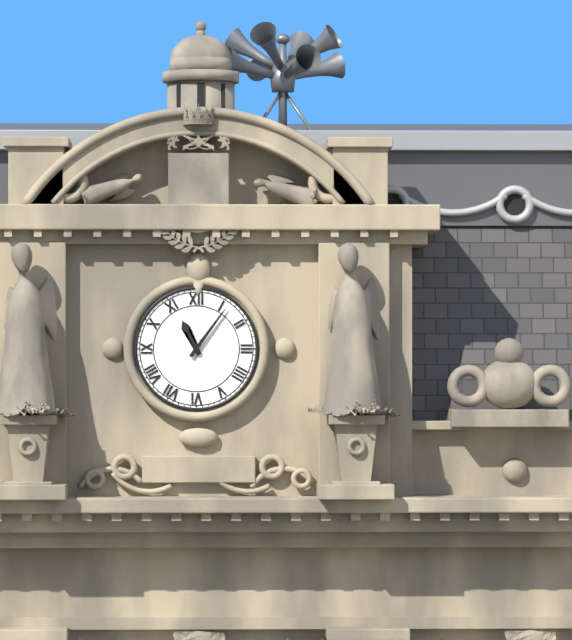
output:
11.06
